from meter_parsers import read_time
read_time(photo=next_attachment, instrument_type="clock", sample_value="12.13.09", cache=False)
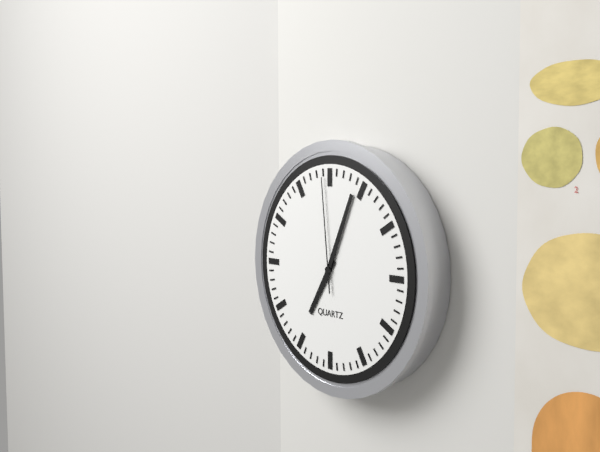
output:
7.04.59
